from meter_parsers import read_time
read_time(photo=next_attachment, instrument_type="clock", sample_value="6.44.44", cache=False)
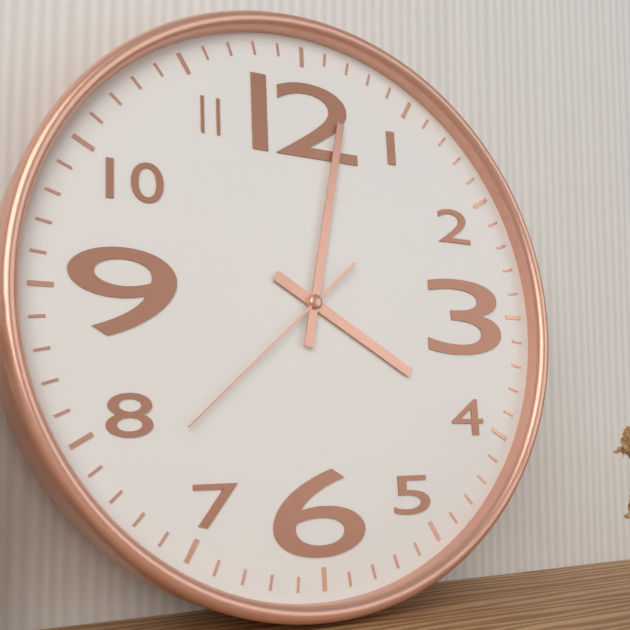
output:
4.02.38
